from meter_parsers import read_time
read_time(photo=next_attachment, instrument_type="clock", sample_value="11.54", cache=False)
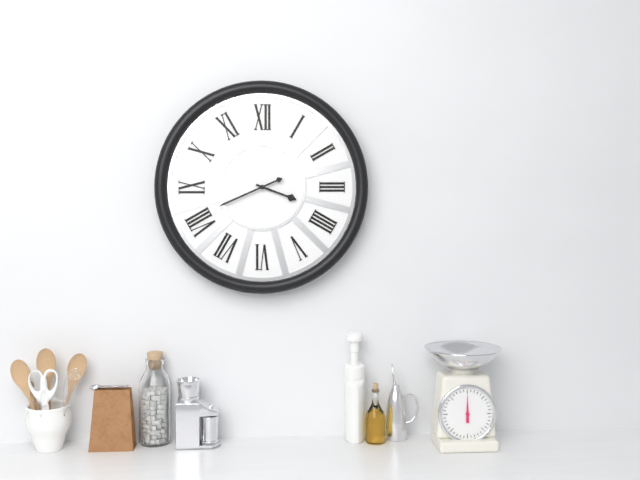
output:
3.41
